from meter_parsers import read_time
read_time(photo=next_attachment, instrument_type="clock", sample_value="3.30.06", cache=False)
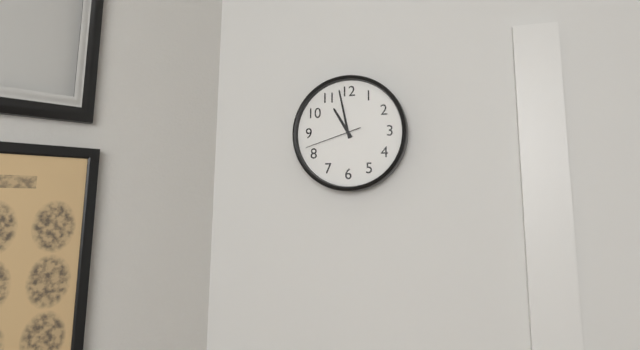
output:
10.58.42
